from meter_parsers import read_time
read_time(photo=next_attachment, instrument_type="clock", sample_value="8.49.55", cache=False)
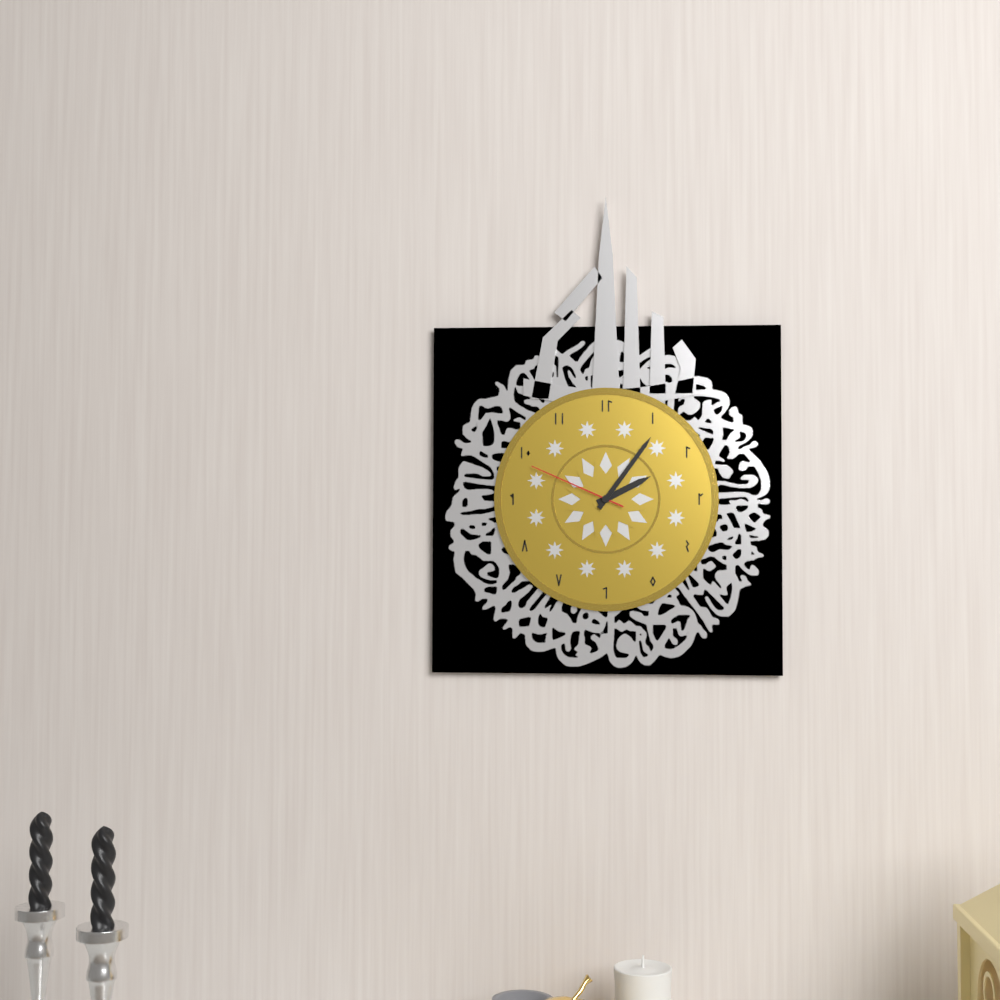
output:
2.06.49
